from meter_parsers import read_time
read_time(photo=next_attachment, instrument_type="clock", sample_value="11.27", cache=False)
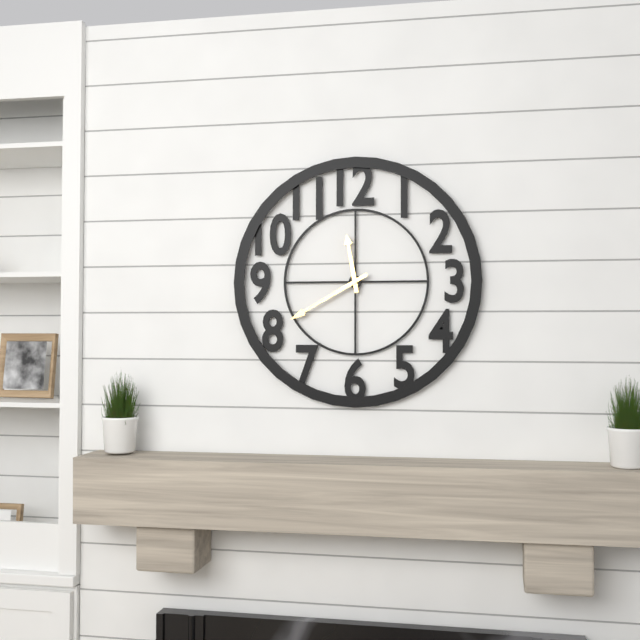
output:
11.40
